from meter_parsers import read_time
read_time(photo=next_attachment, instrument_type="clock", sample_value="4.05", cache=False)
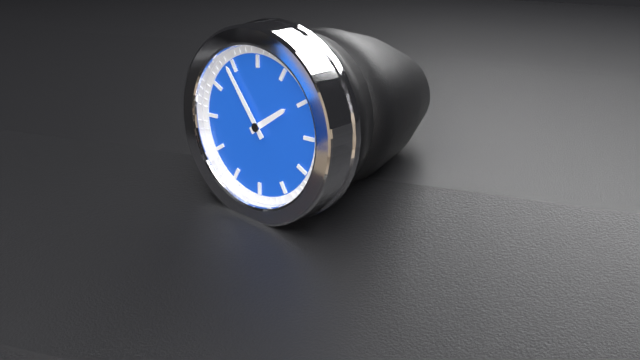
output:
1.54
